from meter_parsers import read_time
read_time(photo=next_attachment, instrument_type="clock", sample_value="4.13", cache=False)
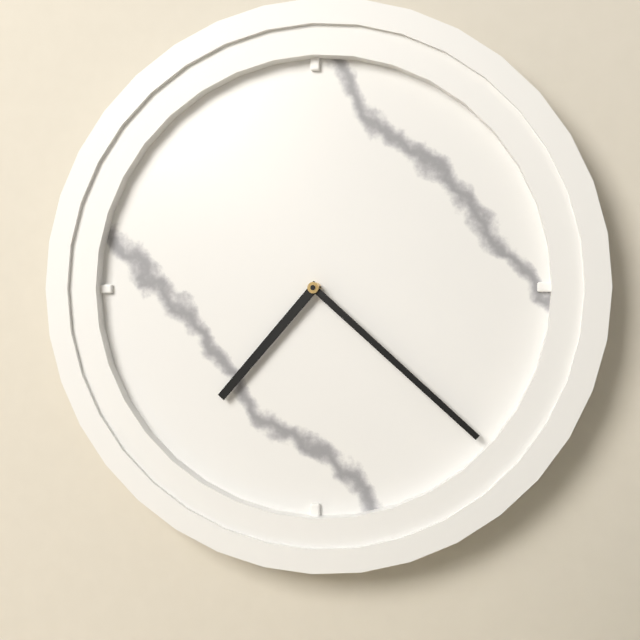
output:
7.22
